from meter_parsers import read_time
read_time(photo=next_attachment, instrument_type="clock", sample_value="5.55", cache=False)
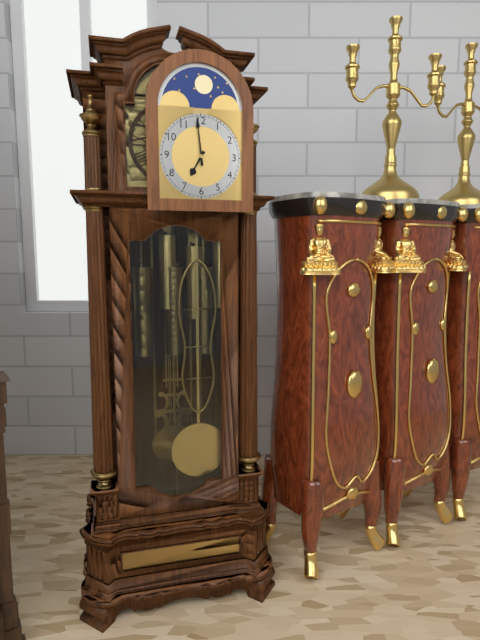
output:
6.59
